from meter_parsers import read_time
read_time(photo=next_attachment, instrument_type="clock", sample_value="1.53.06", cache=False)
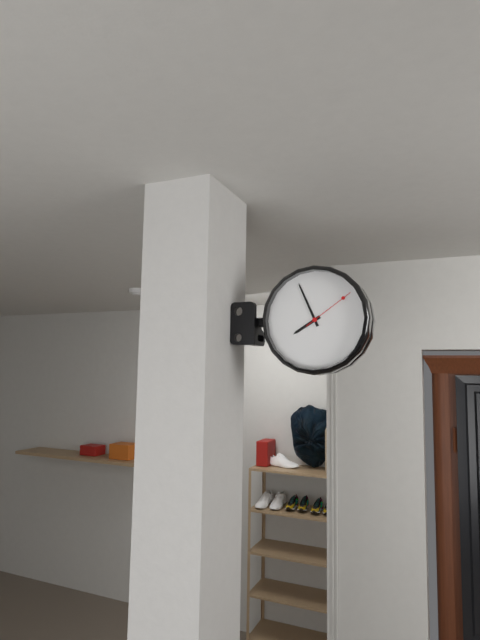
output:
7.56.09
